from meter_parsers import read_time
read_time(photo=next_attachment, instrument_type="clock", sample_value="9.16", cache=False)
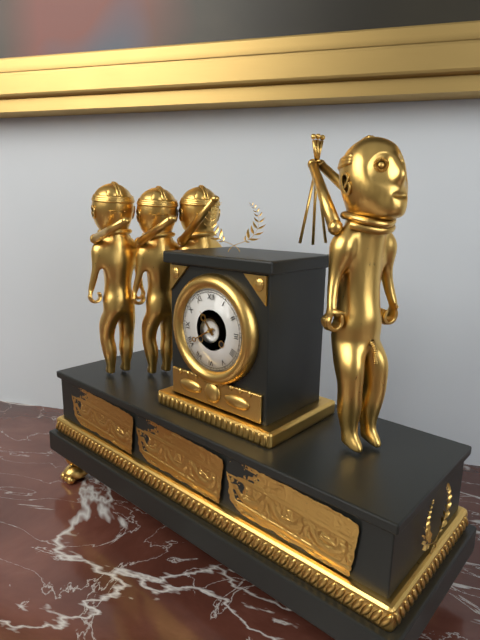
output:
10.40
